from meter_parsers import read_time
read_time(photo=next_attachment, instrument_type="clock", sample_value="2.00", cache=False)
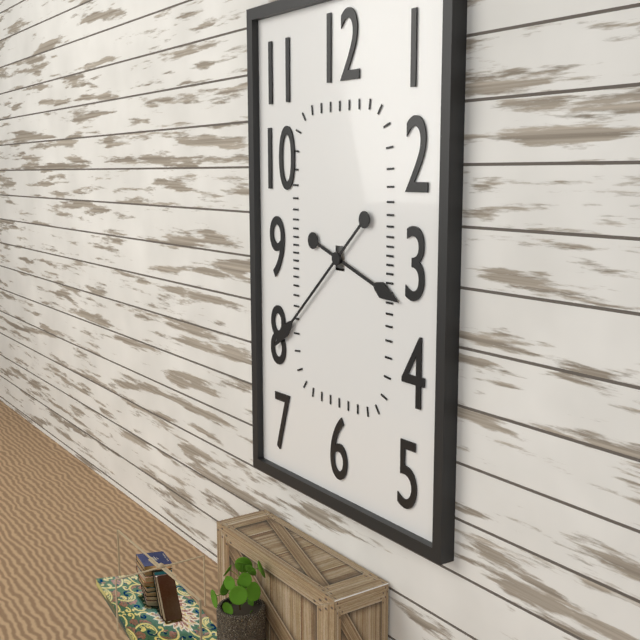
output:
3.38
